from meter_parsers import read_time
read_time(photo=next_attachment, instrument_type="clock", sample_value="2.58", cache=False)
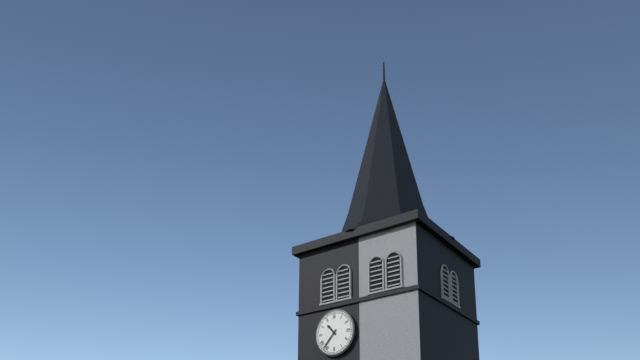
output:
10.37
